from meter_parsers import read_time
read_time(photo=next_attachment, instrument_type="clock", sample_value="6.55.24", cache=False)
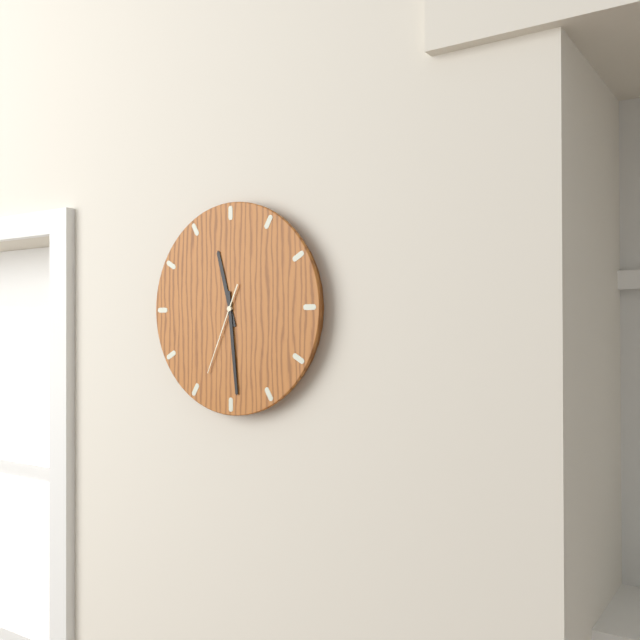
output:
11.29.34
